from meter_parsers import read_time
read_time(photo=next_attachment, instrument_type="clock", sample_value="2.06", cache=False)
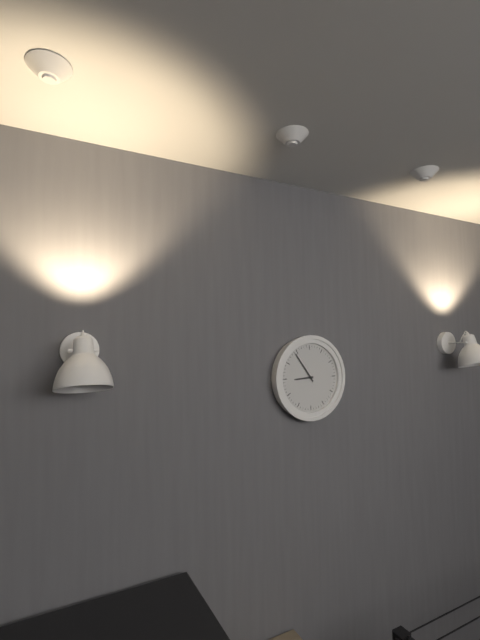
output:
8.54
